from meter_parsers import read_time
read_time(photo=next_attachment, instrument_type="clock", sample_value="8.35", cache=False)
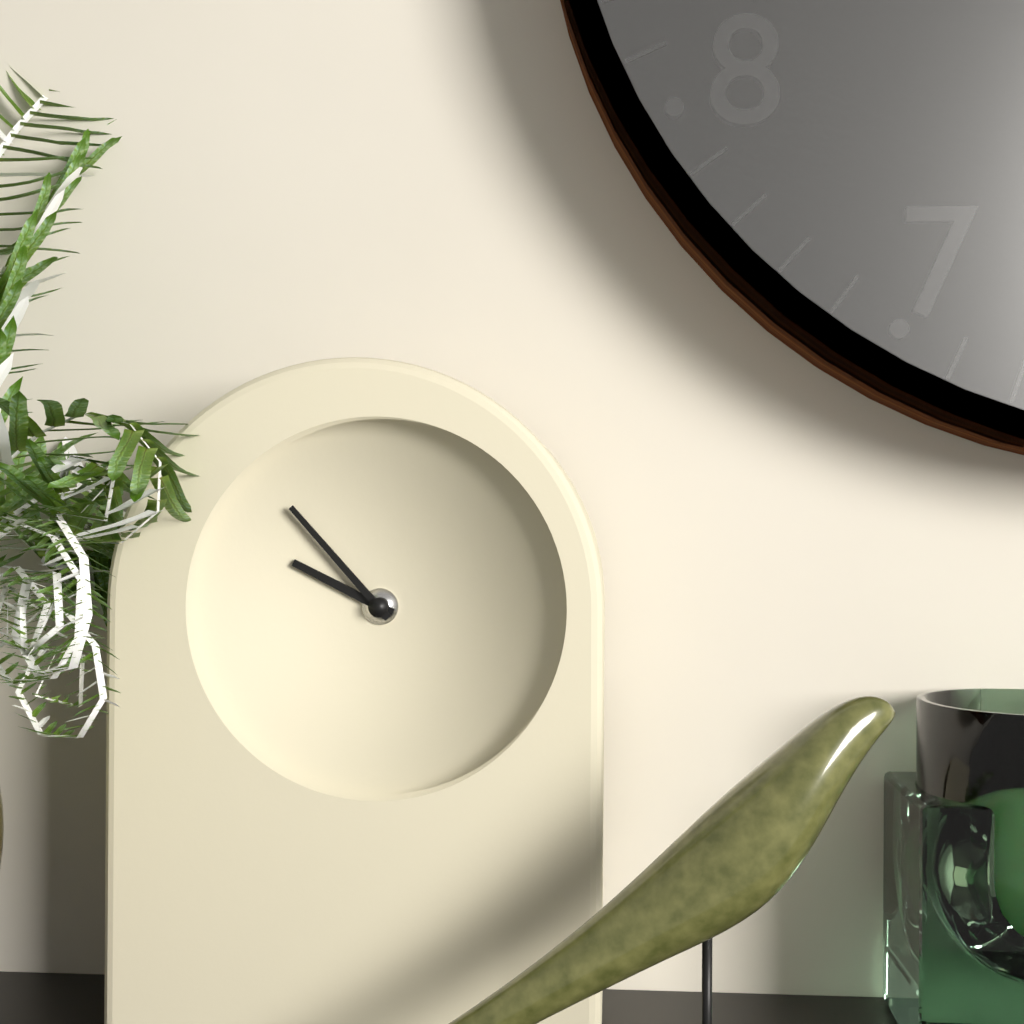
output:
9.53
